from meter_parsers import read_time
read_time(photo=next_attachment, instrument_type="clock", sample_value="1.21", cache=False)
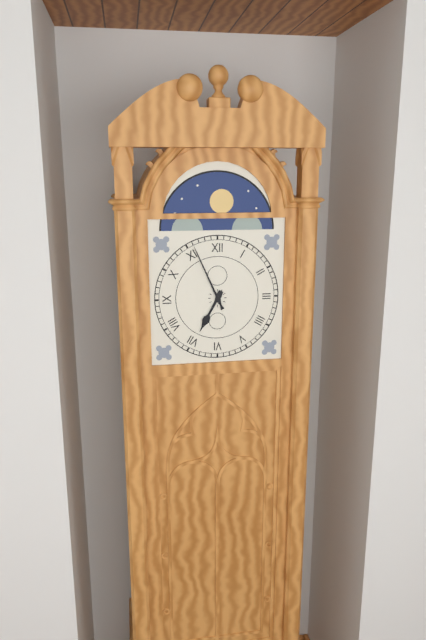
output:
6.56
